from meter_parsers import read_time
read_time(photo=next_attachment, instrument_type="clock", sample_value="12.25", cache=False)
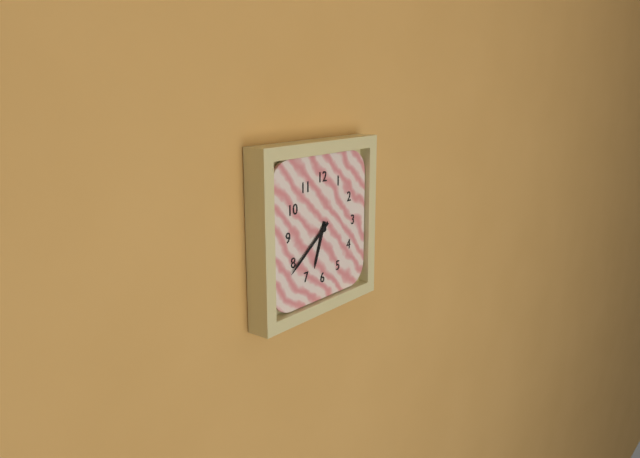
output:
6.39
